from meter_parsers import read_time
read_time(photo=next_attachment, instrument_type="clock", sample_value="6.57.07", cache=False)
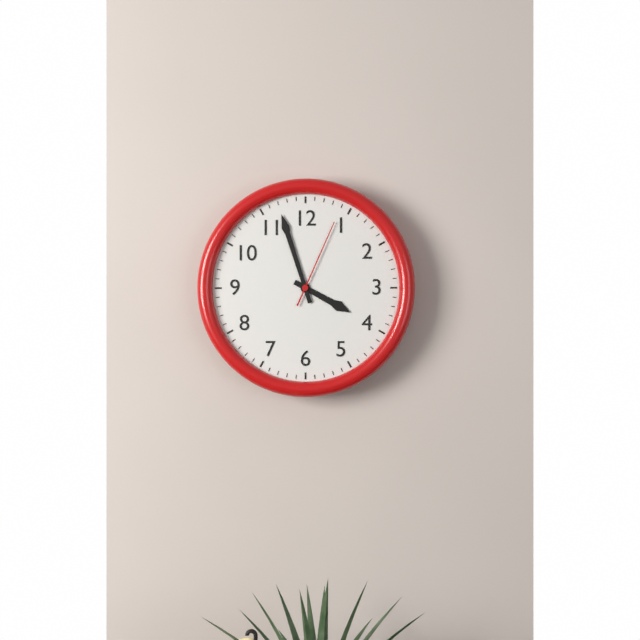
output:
3.57.04
